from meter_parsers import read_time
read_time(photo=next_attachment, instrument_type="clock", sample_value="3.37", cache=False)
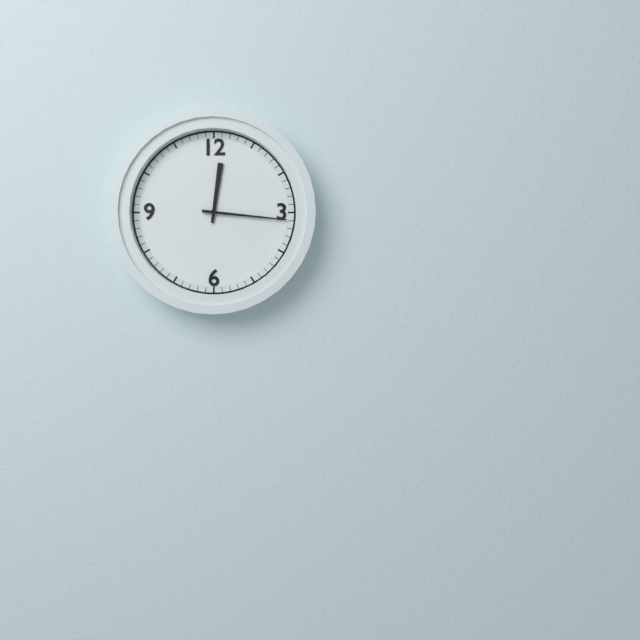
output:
12.16
